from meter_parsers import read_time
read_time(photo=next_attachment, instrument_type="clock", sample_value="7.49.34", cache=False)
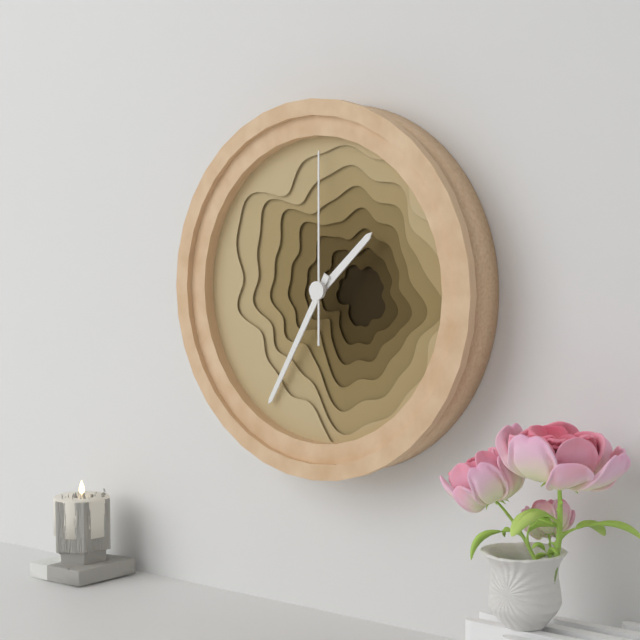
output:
1.35.00
